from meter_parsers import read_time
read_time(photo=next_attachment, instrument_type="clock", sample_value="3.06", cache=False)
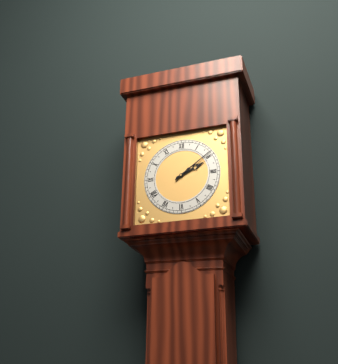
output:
2.09
